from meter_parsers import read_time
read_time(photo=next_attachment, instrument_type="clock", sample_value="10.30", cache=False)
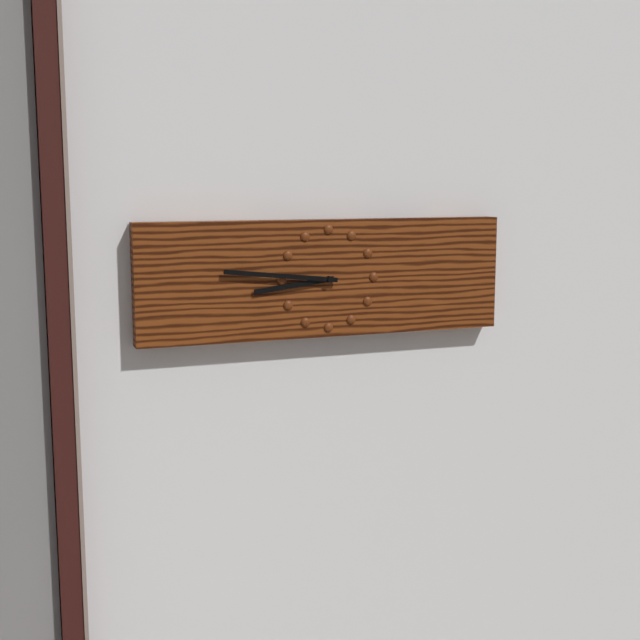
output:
8.46
